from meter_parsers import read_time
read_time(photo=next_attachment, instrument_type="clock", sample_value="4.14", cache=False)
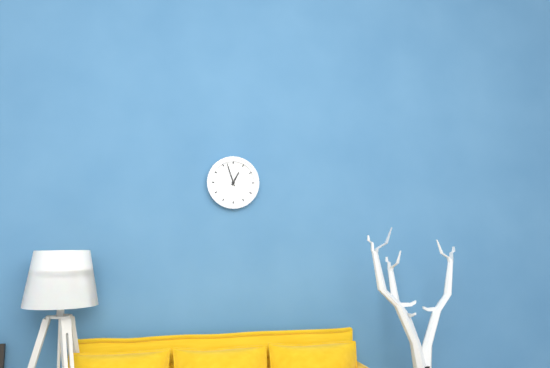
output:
12.57
